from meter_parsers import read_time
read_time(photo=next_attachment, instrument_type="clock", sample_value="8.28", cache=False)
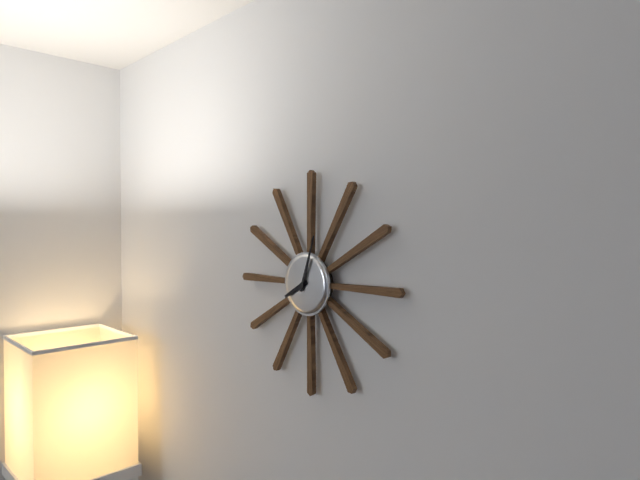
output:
8.03
